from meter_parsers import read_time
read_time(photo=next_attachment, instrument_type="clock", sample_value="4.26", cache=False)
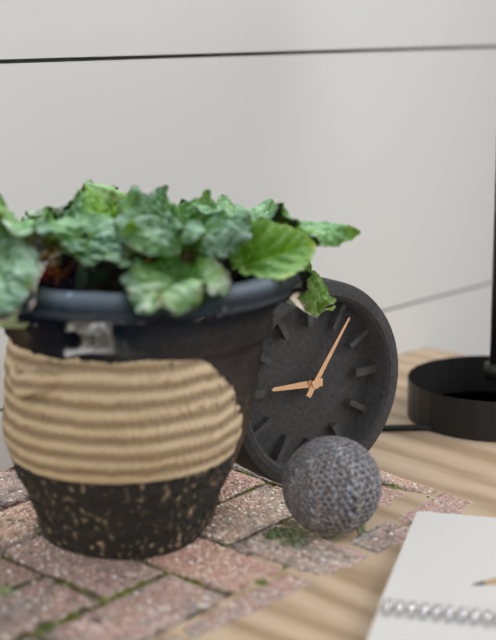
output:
9.06
